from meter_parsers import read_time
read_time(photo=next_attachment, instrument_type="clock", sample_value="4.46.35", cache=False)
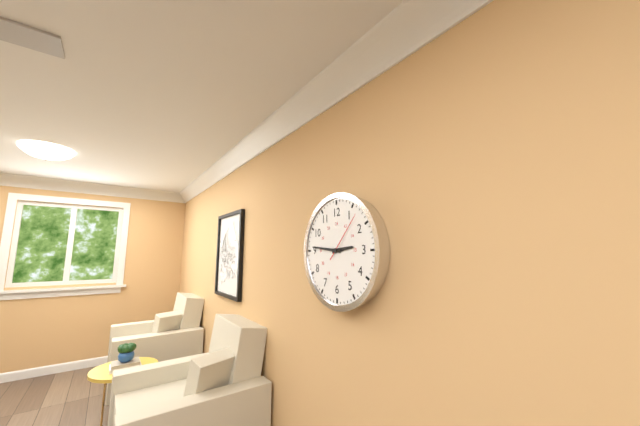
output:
2.46.07
